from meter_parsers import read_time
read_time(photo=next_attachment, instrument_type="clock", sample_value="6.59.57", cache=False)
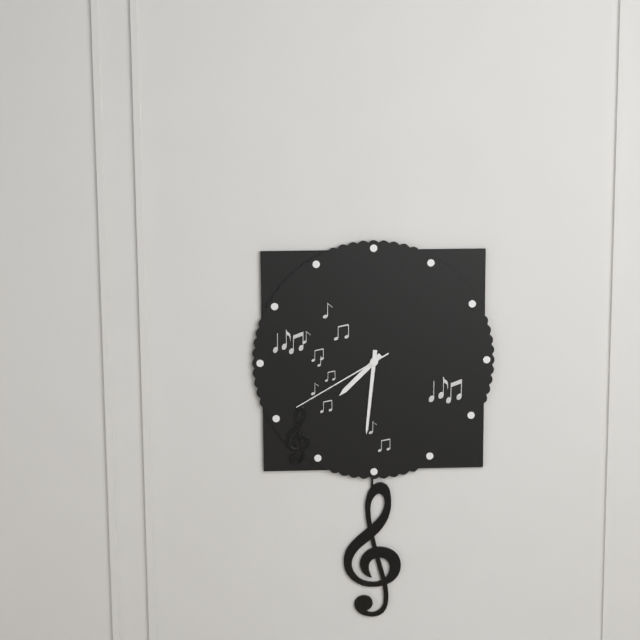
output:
7.31.40
